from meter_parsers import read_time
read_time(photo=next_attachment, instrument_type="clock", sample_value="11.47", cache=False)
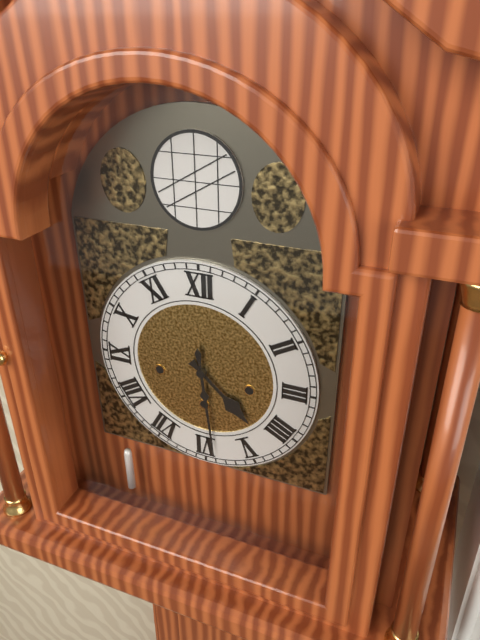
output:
4.29
